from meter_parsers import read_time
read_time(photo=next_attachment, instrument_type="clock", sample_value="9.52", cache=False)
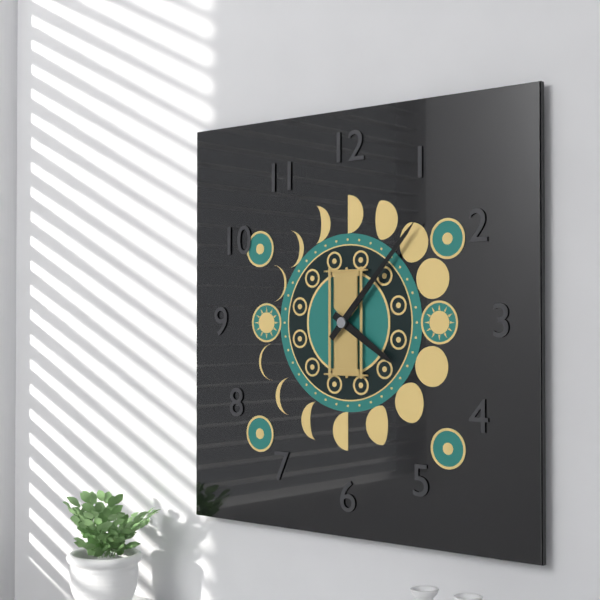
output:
4.07
